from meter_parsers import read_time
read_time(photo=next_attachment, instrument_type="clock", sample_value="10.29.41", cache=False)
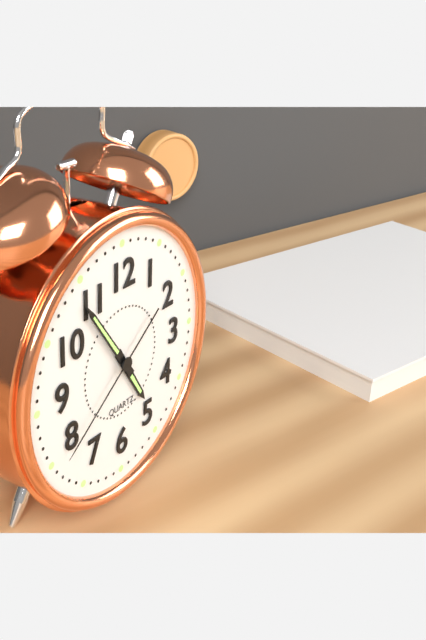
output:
4.54.39
